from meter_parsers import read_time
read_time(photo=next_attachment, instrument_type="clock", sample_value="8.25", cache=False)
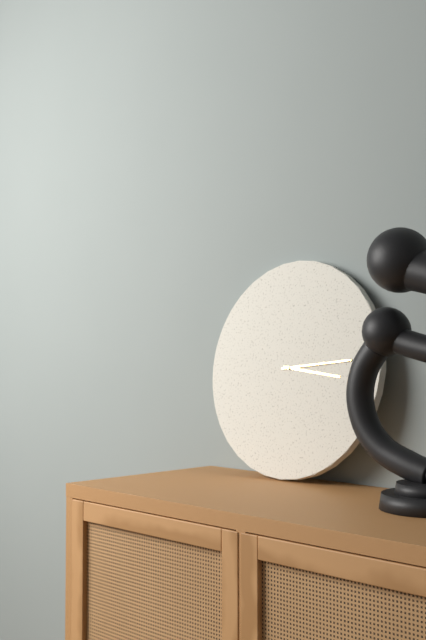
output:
3.14
